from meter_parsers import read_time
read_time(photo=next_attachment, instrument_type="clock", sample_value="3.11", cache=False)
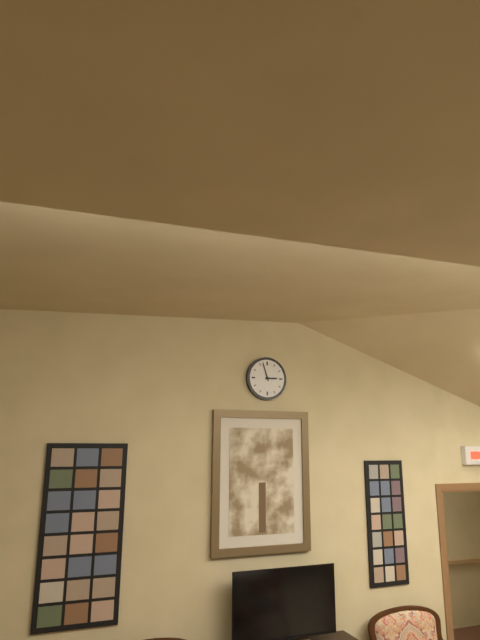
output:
2.57
